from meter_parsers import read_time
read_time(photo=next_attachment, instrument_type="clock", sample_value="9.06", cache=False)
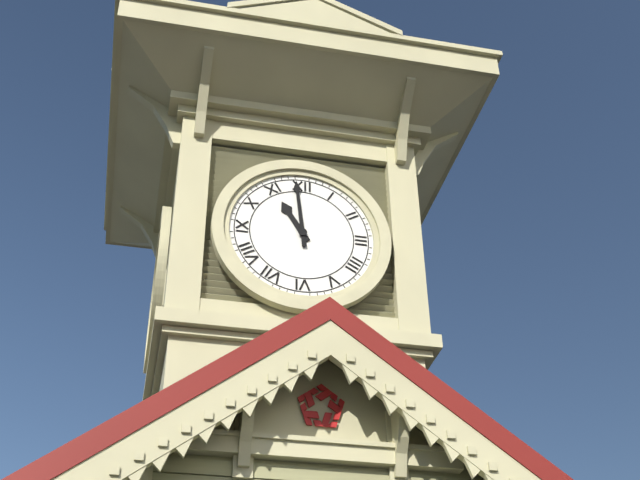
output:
10.59
